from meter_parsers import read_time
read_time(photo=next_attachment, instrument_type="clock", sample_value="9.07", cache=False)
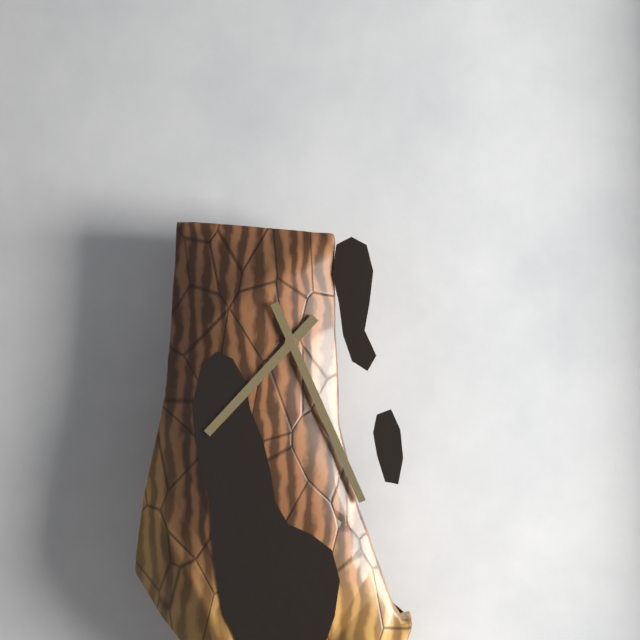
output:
7.26
